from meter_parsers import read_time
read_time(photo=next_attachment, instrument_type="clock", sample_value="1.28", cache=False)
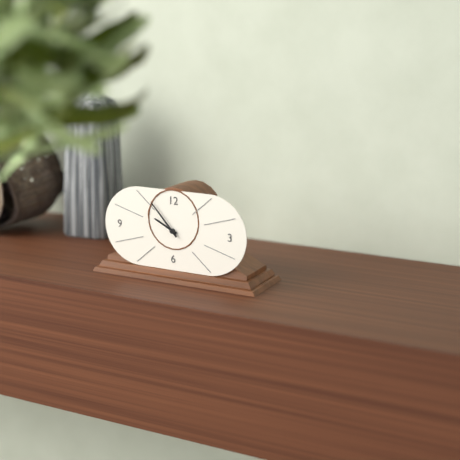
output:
9.53
